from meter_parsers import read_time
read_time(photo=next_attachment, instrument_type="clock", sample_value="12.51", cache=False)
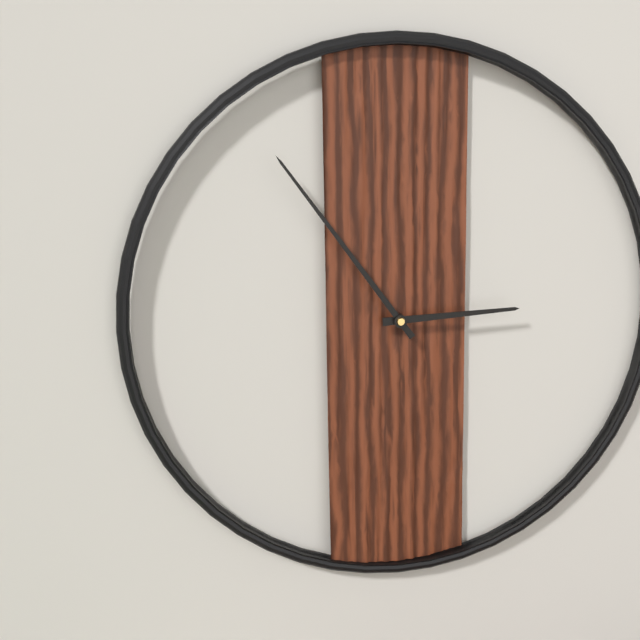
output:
2.54
